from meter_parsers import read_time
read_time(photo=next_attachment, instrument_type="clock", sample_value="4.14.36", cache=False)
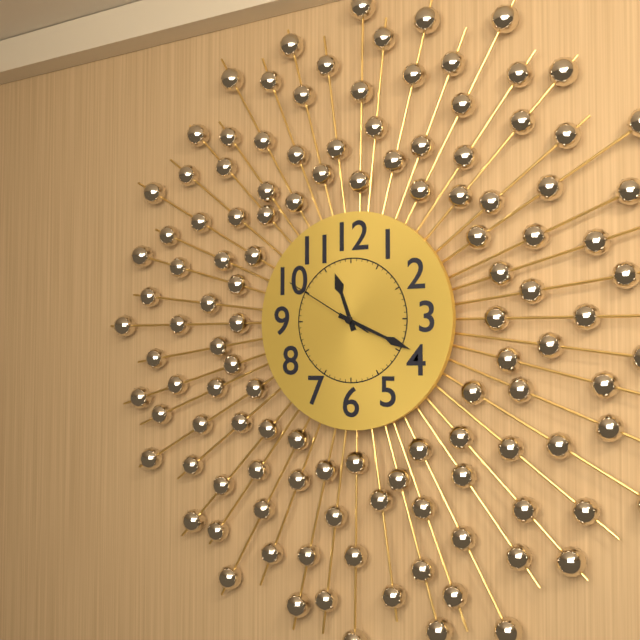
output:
11.19.50
